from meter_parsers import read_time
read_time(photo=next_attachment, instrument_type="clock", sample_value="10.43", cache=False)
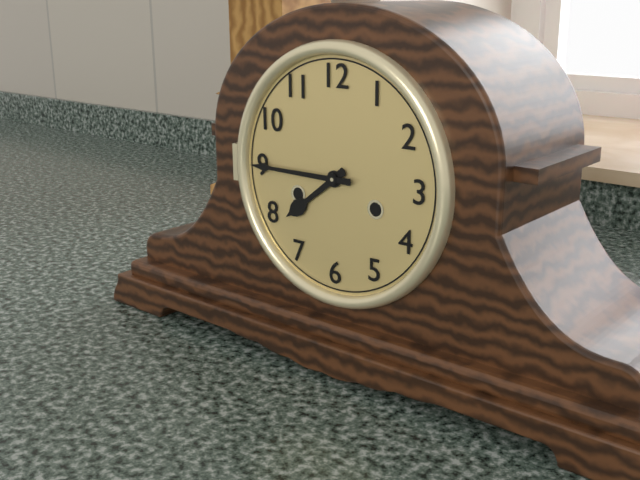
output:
7.45
